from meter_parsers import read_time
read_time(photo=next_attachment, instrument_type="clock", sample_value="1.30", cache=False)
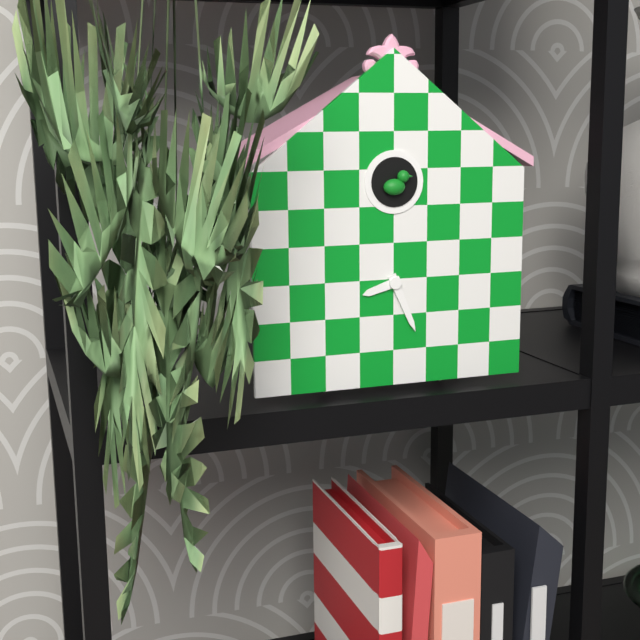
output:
8.26
